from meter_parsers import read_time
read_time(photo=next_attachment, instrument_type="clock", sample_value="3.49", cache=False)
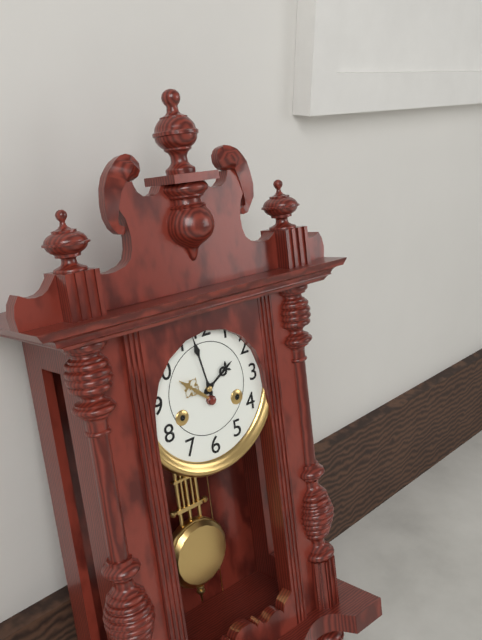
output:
1.58
